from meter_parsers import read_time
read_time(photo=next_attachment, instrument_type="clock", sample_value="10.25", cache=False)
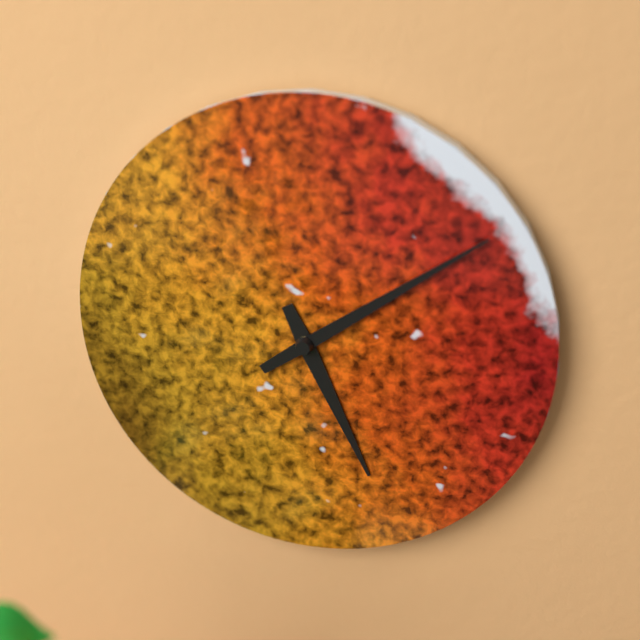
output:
5.09
